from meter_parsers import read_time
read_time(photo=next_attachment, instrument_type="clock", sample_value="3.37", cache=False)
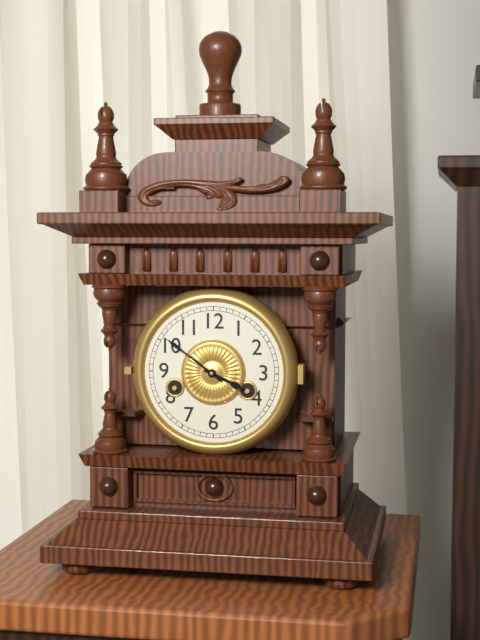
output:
3.51
